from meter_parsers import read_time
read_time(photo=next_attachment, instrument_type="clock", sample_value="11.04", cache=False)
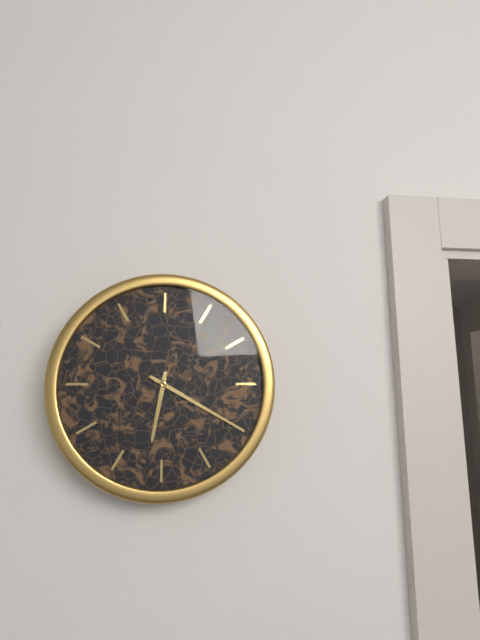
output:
6.20
